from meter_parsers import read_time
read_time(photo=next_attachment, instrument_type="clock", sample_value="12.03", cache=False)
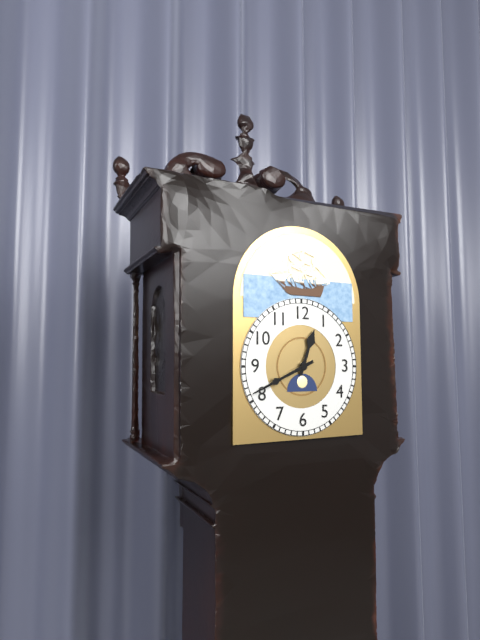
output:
12.41
